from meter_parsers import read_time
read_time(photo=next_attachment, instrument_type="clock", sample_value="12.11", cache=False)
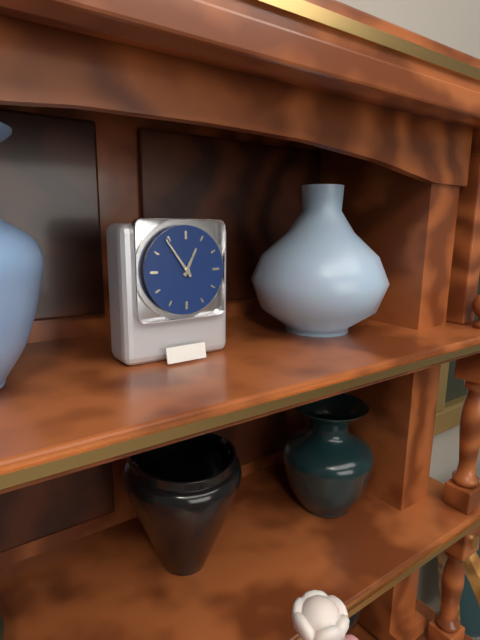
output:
12.54
